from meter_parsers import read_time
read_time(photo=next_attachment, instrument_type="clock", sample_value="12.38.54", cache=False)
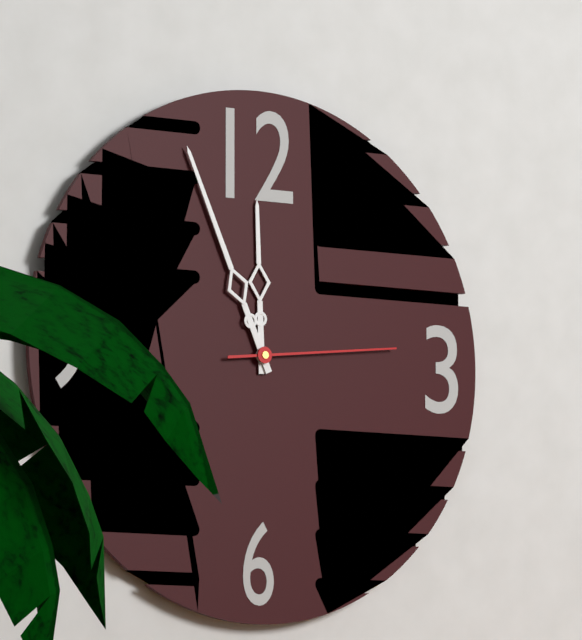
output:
11.56.14
